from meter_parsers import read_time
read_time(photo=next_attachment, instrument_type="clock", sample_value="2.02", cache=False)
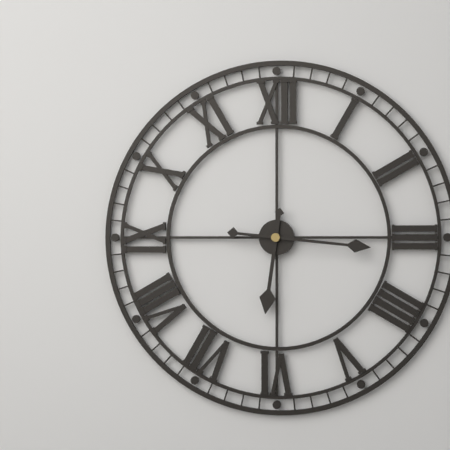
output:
6.16
